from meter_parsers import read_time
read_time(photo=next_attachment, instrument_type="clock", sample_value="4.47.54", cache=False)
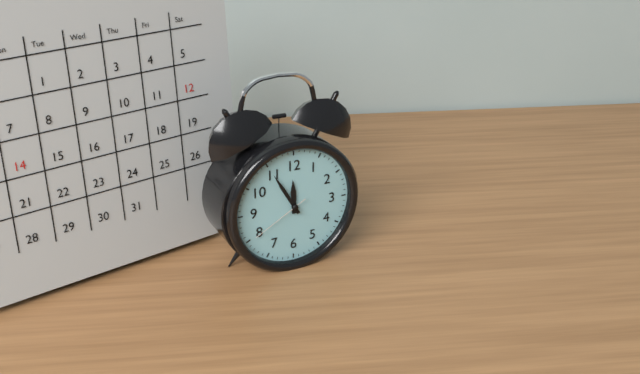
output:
11.55.40
